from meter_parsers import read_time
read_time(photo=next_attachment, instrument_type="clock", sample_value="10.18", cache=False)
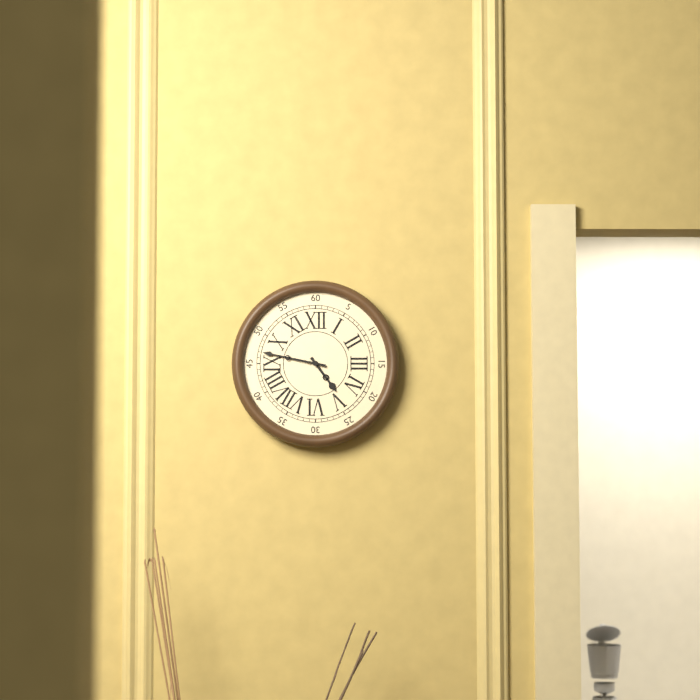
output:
4.47
